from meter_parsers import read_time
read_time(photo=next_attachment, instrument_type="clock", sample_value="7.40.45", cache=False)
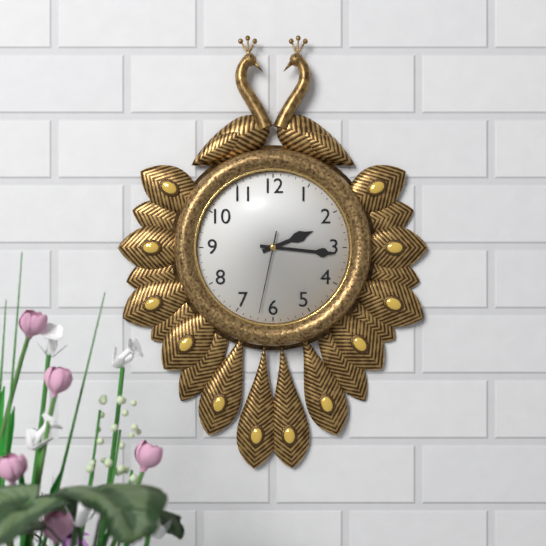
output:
2.16.32
